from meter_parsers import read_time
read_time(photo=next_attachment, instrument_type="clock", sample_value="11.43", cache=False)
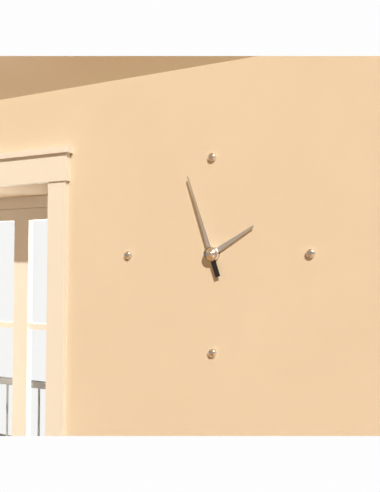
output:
1.57
